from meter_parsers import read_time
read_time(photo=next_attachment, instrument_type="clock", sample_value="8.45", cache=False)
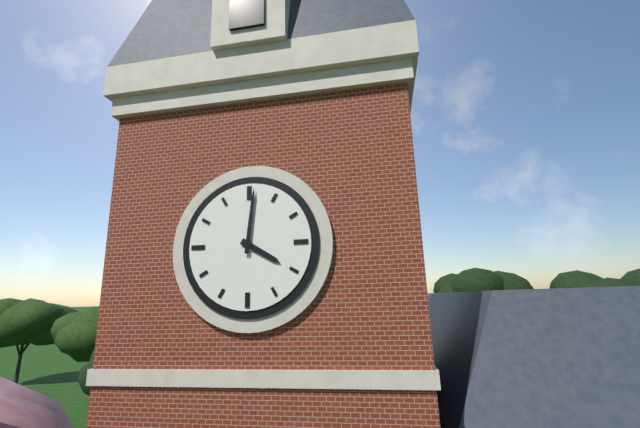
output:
4.01
